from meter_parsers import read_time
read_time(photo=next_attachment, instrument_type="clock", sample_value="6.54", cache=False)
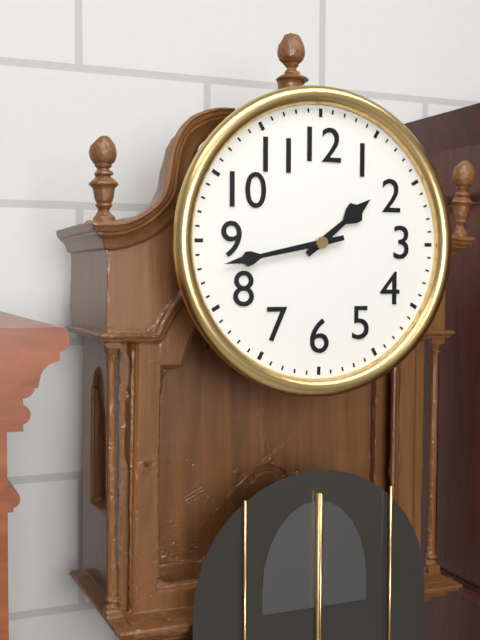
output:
1.43
